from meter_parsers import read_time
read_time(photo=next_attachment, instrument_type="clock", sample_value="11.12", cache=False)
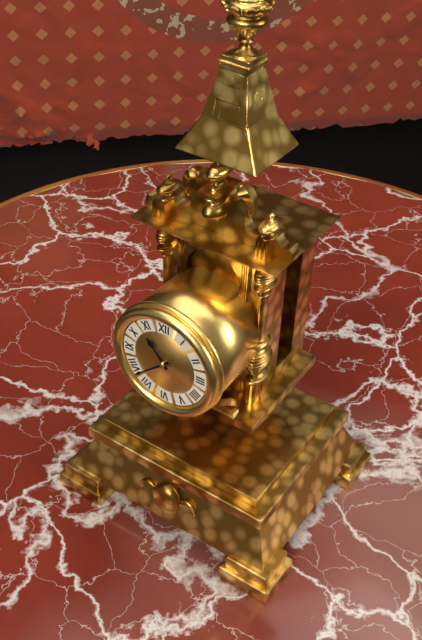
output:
10.38
